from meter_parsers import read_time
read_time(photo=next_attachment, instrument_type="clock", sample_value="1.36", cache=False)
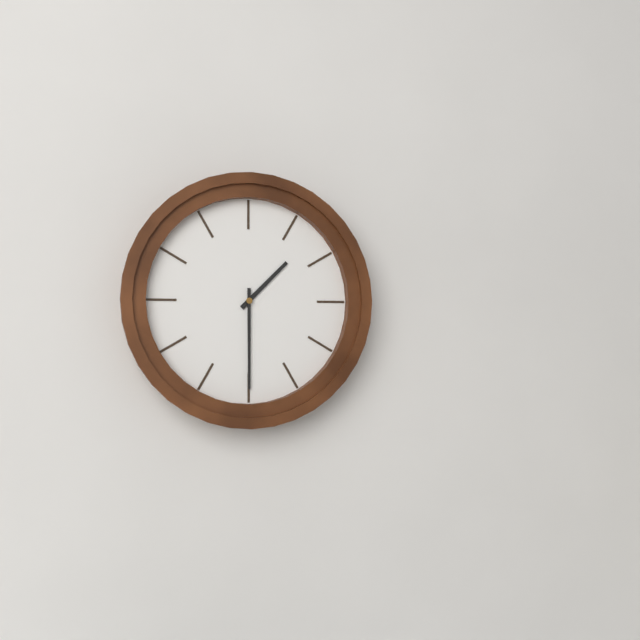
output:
1.30
